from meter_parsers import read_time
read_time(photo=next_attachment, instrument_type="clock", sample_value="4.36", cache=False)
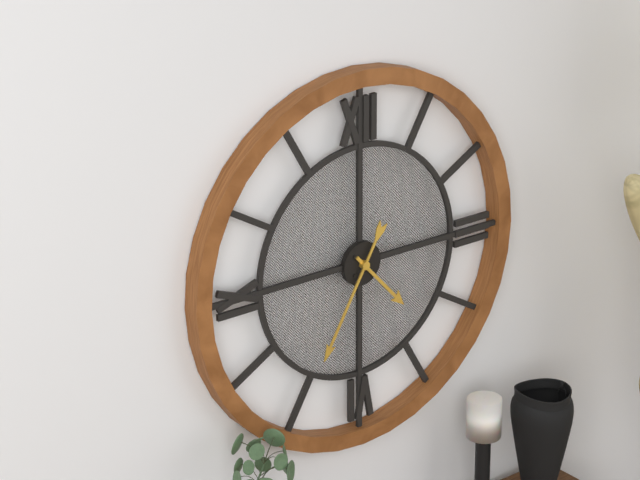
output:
4.35
